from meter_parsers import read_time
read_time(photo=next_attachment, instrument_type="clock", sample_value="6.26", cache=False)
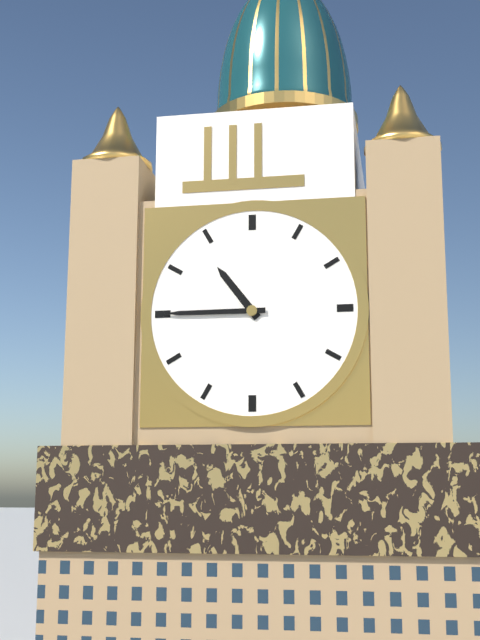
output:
10.45
